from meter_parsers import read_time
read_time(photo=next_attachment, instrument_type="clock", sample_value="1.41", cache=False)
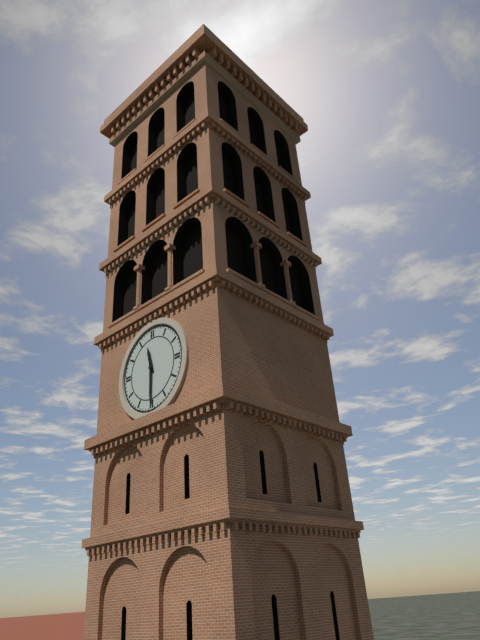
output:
11.30
